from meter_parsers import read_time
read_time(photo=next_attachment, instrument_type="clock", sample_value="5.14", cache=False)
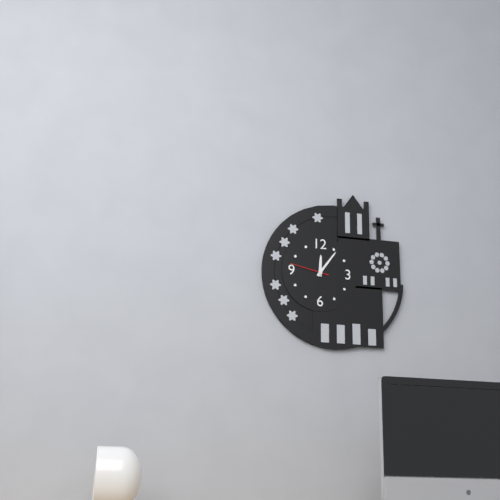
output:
12.06
